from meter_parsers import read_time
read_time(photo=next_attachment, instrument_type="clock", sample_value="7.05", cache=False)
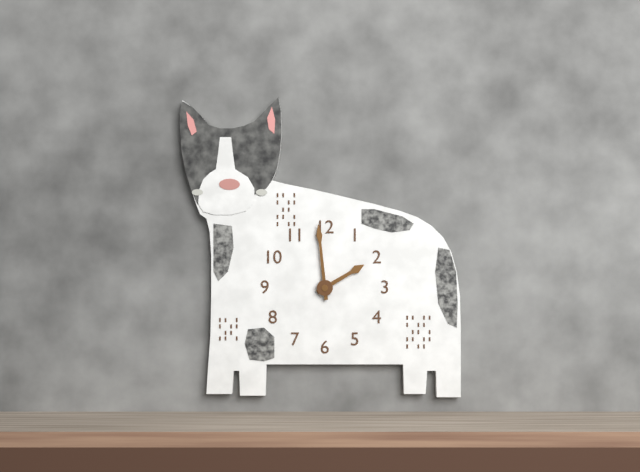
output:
1.59
